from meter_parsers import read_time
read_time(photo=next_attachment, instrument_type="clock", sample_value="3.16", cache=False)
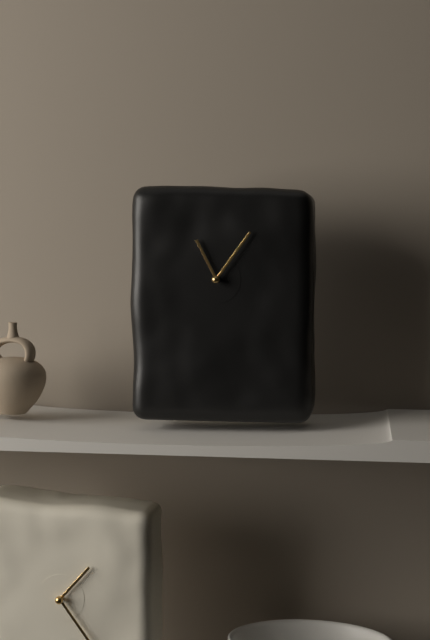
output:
11.06
